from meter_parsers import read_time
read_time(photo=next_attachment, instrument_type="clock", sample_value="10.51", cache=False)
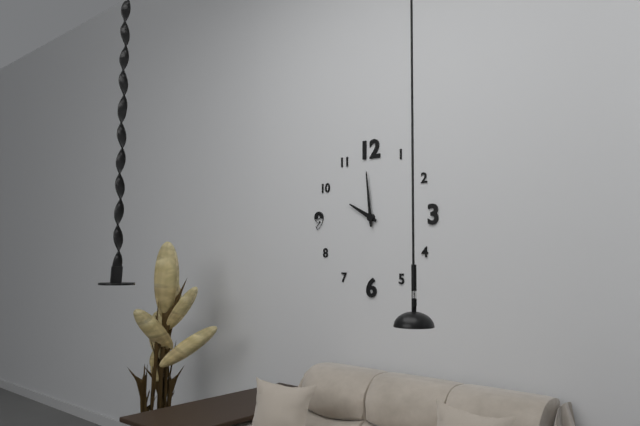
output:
9.59
